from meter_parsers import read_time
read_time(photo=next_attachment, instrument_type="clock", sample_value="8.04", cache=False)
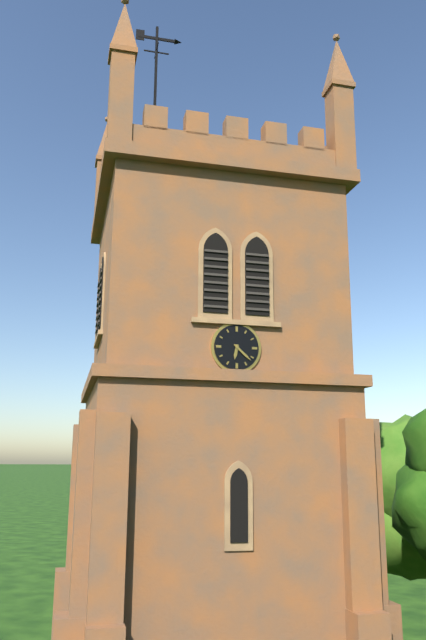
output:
6.22
